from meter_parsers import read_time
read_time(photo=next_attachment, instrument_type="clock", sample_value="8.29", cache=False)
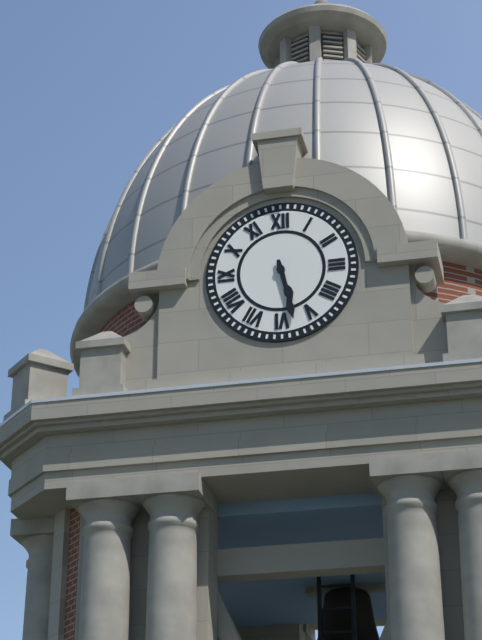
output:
5.28
